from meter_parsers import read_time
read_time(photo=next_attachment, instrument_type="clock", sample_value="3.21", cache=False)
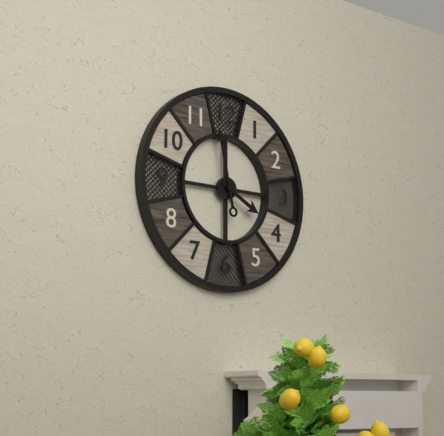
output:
3.58
